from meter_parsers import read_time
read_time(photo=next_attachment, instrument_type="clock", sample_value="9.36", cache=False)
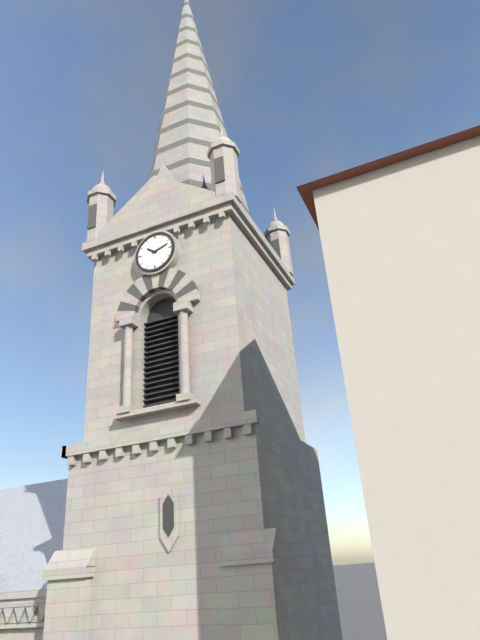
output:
10.12
